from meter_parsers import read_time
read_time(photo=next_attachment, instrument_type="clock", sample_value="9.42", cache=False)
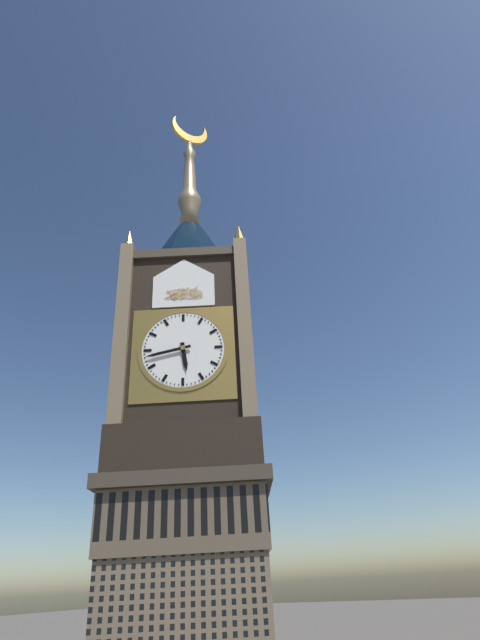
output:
5.43
